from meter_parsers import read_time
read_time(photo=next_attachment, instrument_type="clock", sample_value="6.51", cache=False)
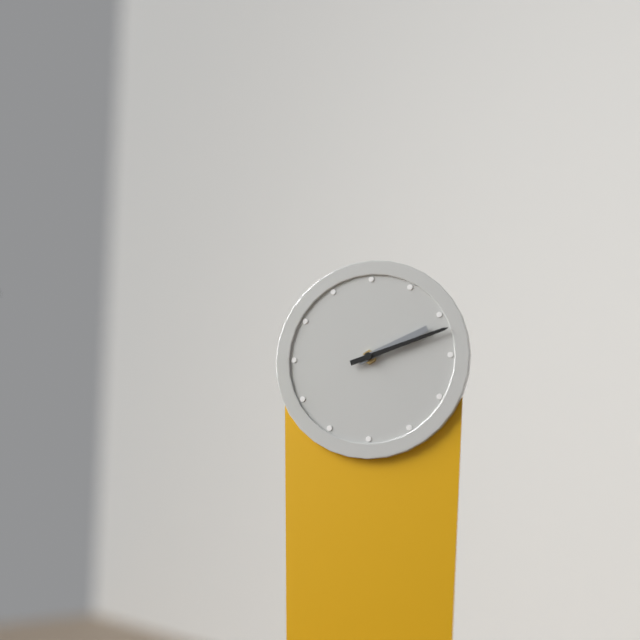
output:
2.12
